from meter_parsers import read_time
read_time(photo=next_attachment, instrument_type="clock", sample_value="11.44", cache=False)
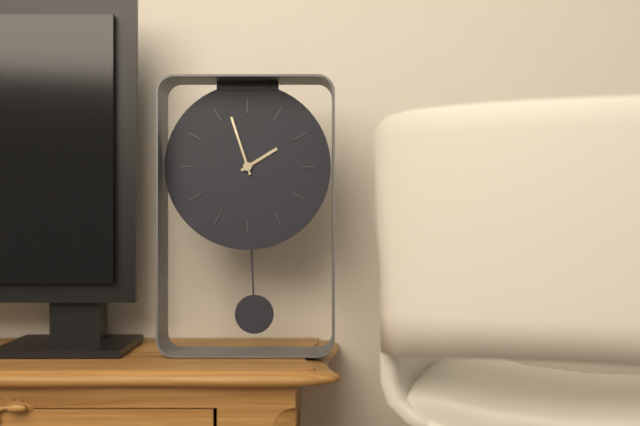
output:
1.57
